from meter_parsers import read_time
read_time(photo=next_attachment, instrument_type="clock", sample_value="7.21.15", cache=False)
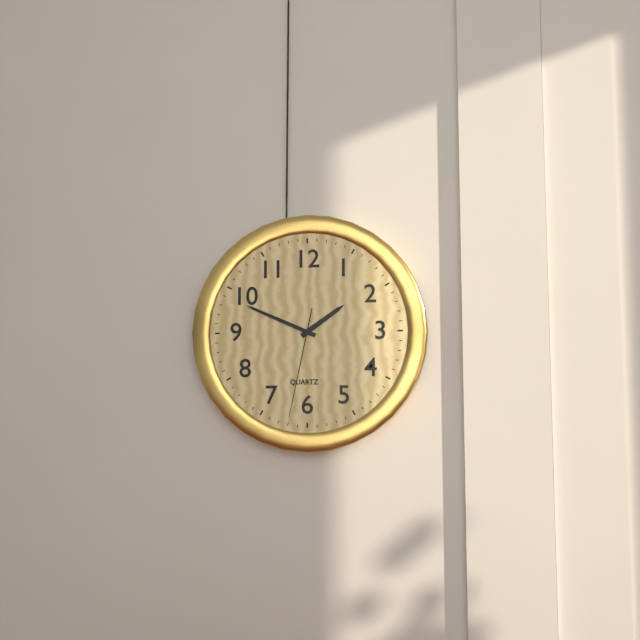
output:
1.49.32
